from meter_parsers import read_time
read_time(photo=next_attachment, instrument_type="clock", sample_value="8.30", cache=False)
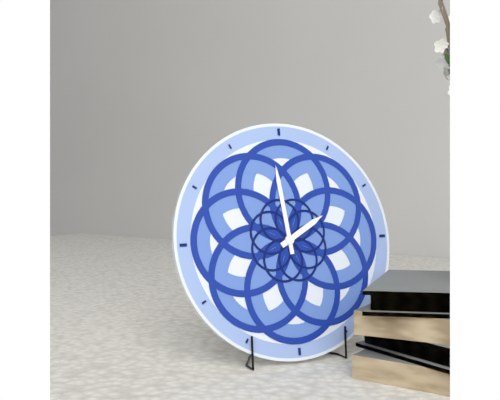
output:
1.59
